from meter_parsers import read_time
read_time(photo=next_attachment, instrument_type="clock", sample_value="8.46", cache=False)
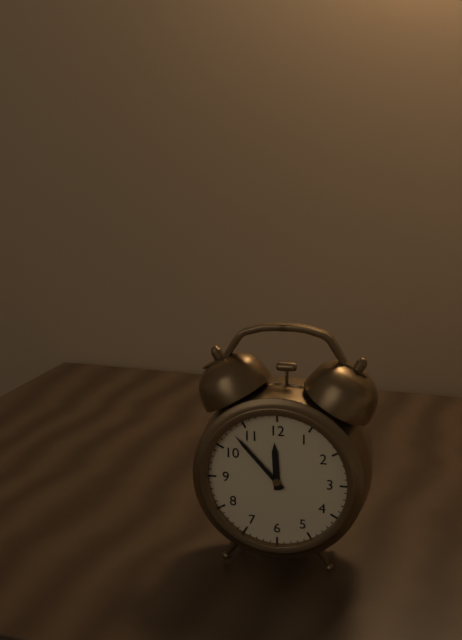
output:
11.53
